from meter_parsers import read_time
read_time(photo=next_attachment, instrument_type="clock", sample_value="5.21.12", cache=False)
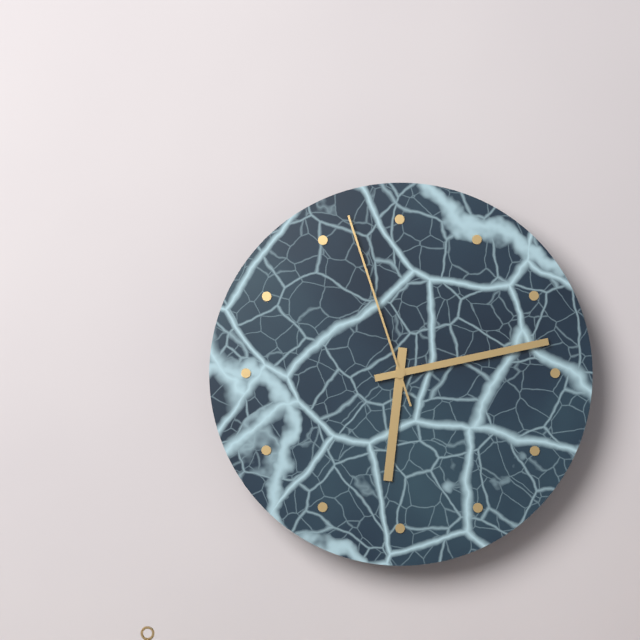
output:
6.13.57
